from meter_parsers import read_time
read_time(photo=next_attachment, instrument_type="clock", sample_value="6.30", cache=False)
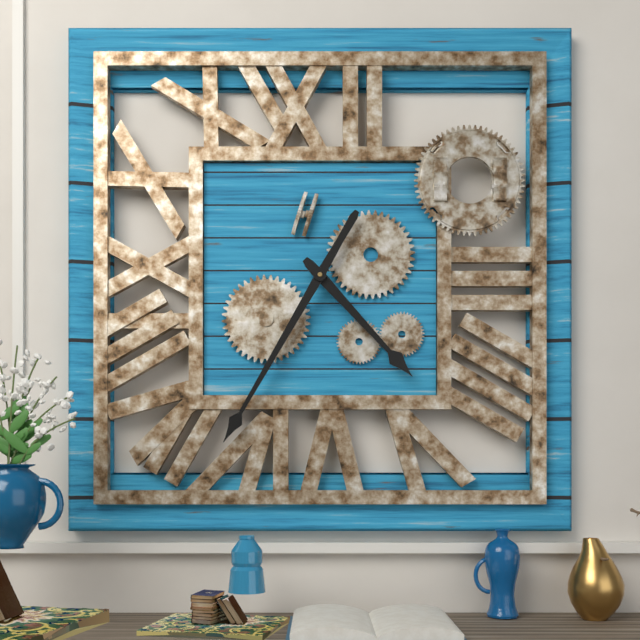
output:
4.35
